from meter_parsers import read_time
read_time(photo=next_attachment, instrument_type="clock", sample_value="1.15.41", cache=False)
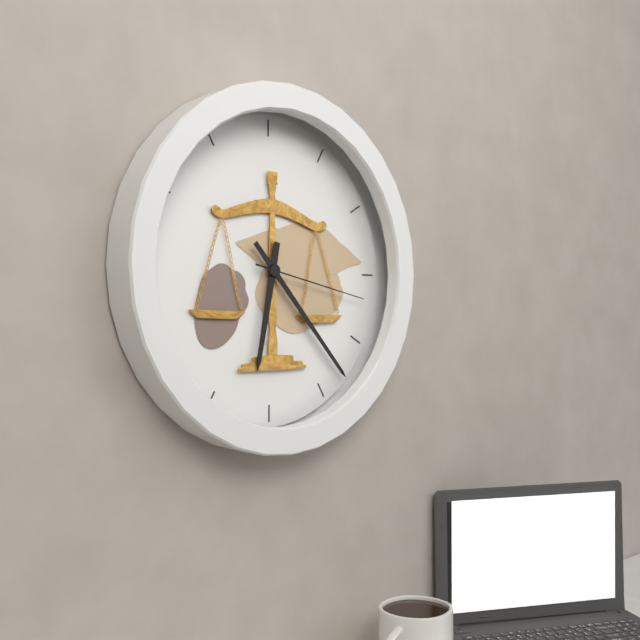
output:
6.23.17
